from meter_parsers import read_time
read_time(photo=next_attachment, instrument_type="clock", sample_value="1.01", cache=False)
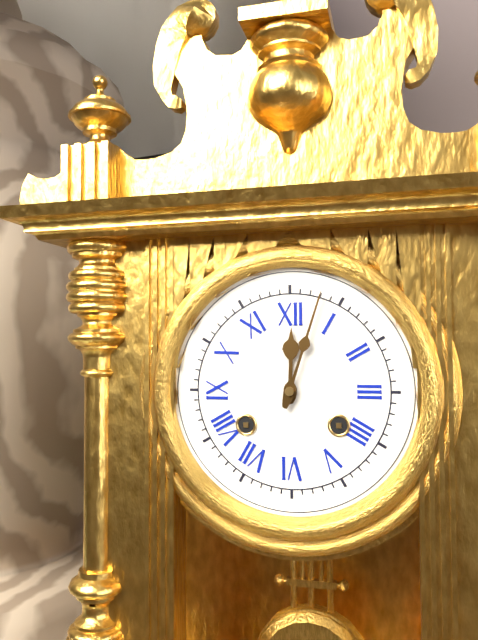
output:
12.03
